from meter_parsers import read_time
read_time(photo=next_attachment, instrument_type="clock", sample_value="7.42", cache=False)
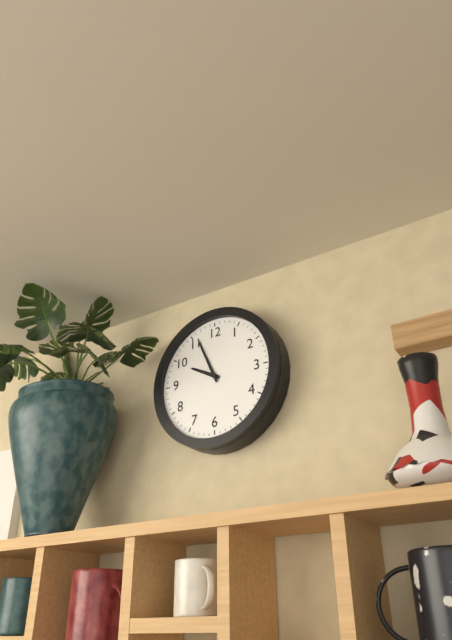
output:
9.56
